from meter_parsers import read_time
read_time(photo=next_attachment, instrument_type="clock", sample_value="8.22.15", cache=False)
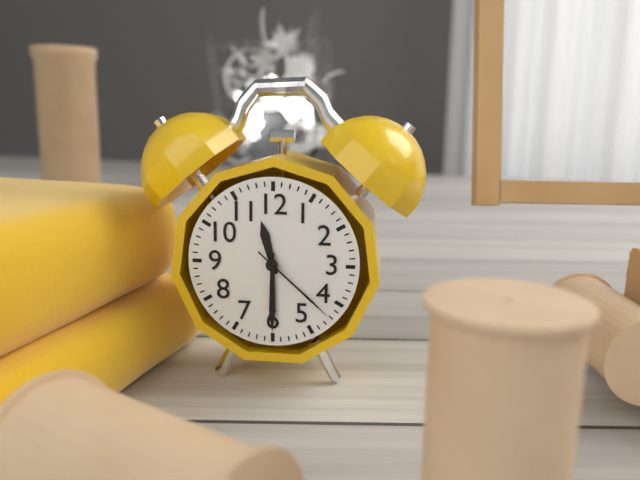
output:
11.30.22
